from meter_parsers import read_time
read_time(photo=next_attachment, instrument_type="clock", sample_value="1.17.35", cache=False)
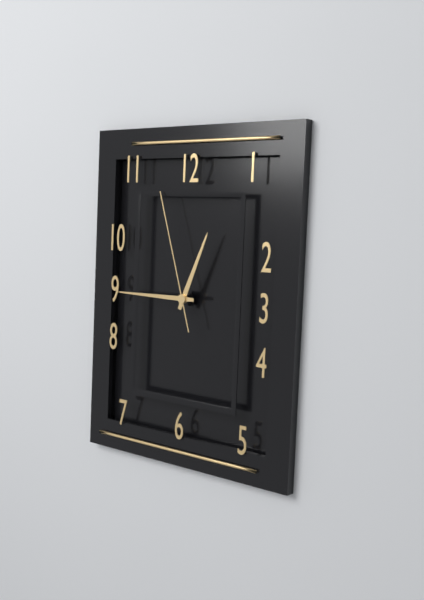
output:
12.45.57
